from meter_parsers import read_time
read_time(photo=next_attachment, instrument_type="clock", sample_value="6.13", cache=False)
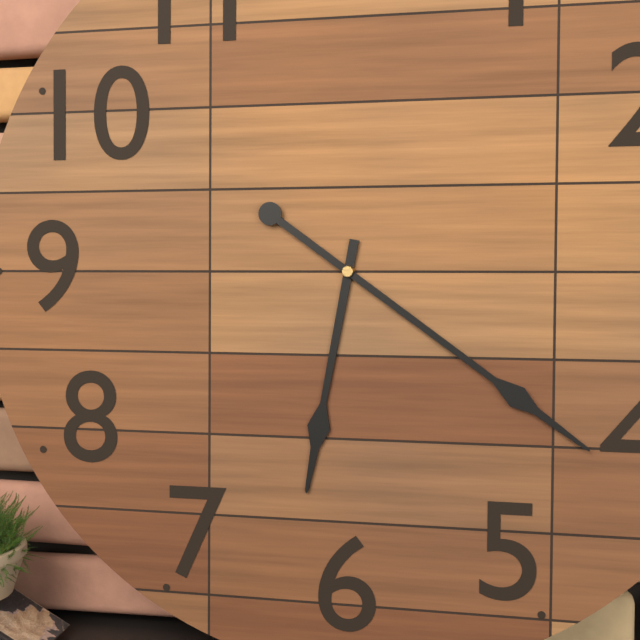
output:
6.21
